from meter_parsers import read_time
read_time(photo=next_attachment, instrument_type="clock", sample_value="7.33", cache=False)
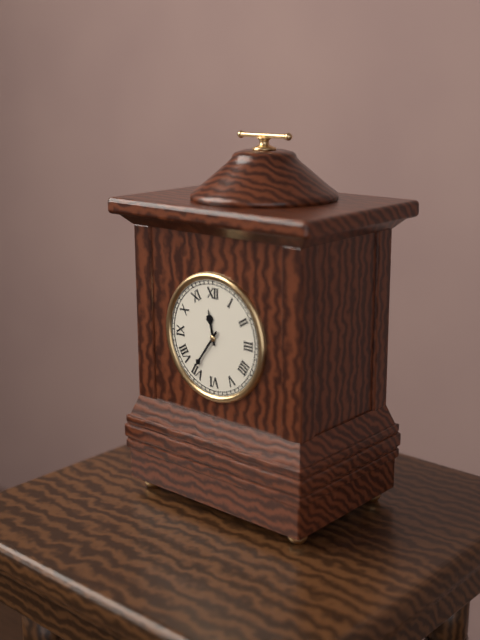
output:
11.36
